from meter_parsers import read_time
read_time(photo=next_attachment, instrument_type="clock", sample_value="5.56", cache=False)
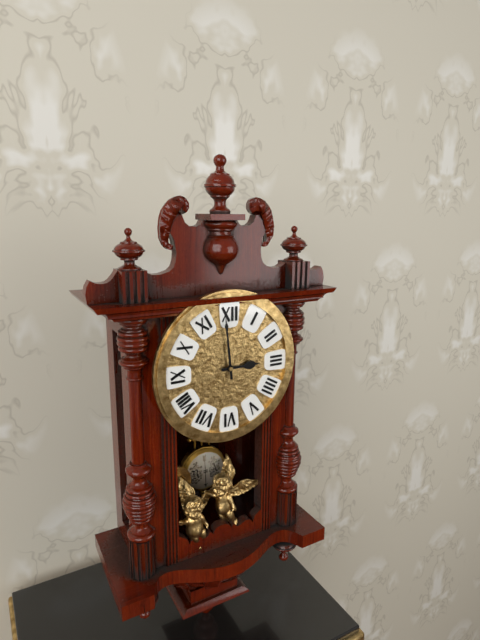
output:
2.59
